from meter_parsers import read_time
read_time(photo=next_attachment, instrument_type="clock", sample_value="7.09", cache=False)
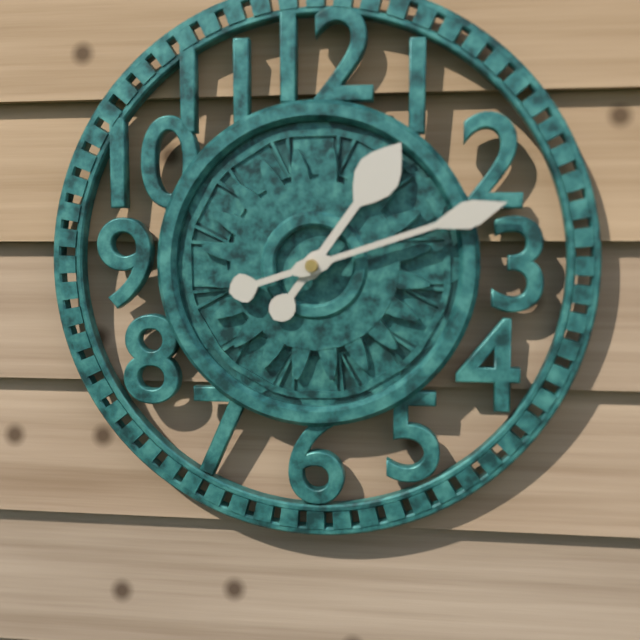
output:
1.12
